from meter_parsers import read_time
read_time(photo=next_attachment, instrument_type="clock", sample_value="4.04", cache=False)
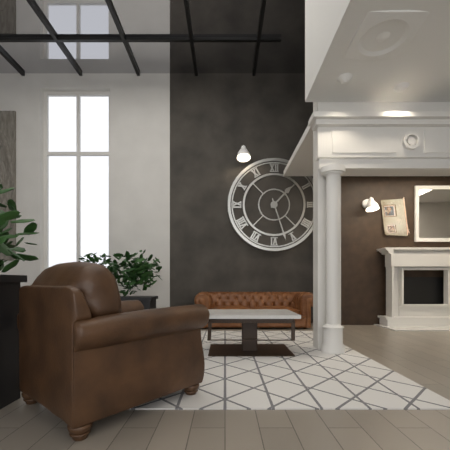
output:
1.27
